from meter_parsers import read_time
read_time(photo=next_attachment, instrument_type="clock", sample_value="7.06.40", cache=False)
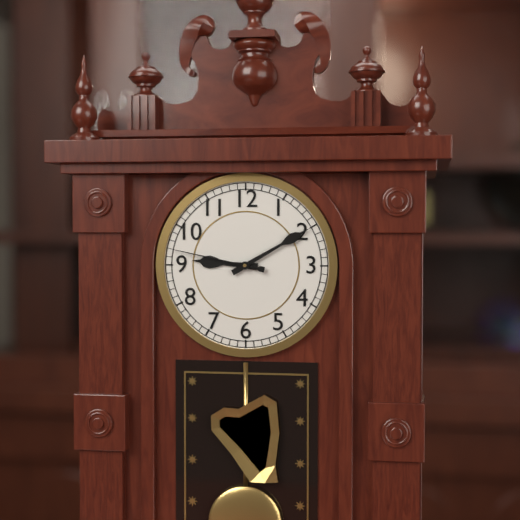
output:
9.10.47
